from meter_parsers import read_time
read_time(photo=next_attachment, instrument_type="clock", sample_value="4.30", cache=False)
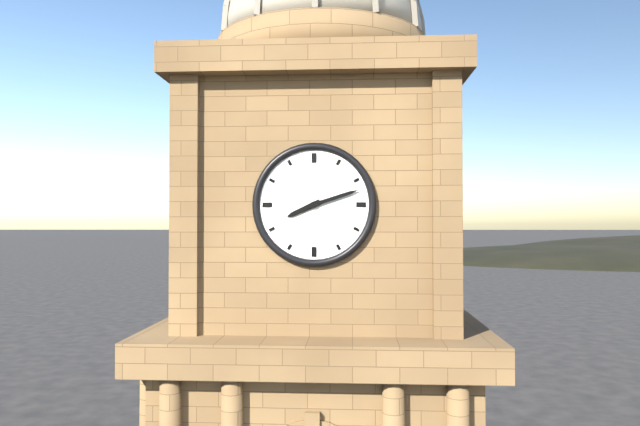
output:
8.12
